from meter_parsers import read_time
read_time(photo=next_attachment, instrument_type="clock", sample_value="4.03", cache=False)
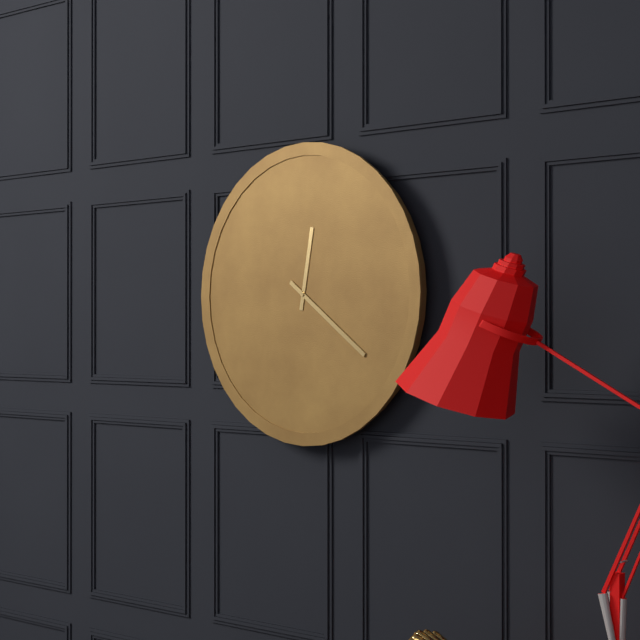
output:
12.21
